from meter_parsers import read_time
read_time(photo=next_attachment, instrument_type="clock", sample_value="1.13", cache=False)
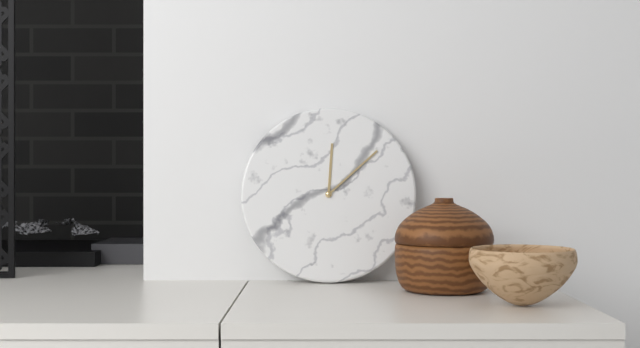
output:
12.08
